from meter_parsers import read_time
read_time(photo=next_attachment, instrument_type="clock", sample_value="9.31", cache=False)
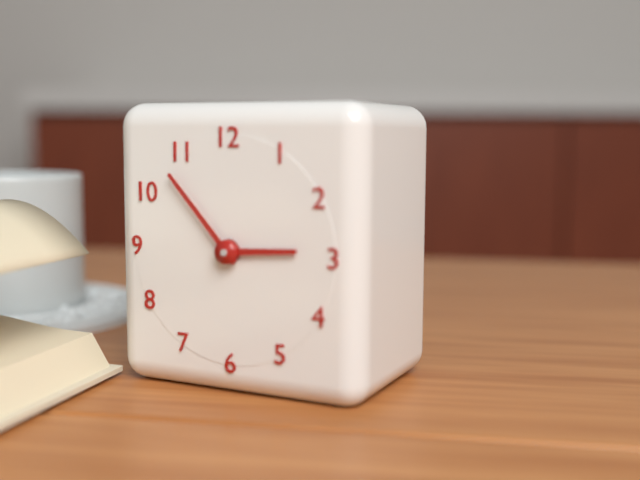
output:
2.53
